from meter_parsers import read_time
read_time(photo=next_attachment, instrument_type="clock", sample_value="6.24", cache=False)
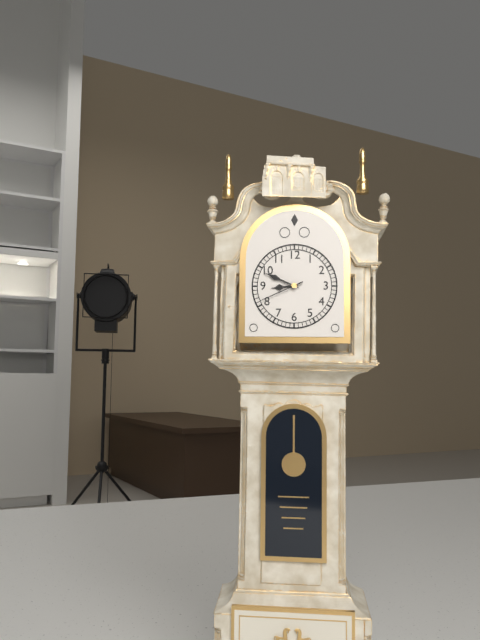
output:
8.49
